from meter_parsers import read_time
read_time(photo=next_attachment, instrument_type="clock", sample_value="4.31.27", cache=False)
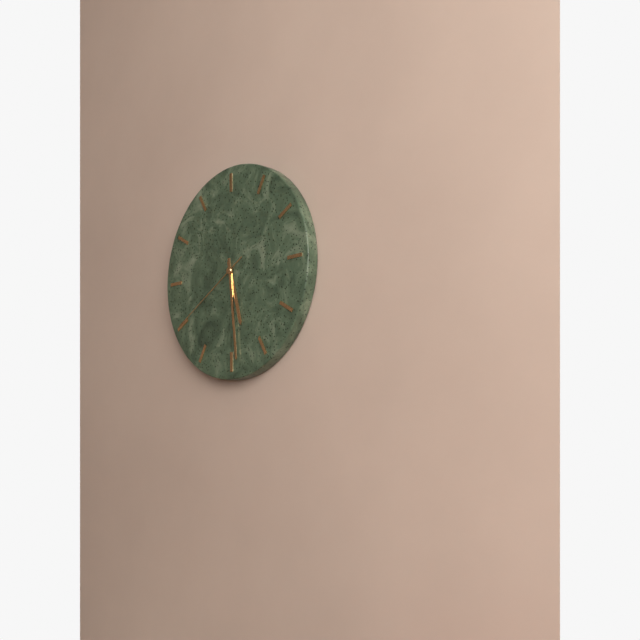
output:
5.29.40
